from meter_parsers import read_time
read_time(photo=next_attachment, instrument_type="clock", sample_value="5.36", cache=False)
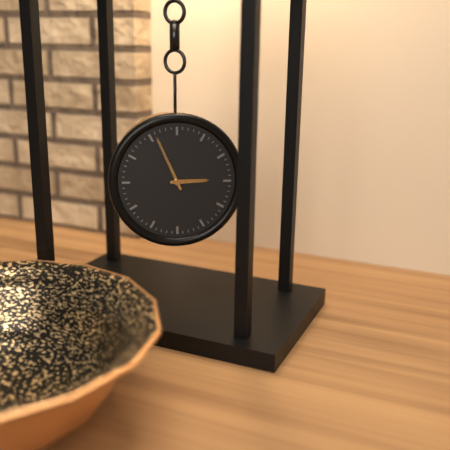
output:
2.56
